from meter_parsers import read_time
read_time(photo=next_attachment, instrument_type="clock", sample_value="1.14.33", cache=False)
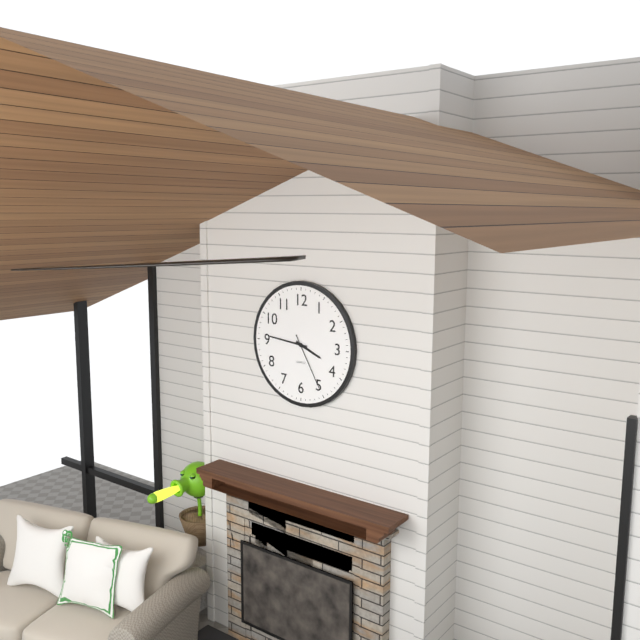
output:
3.46.25
